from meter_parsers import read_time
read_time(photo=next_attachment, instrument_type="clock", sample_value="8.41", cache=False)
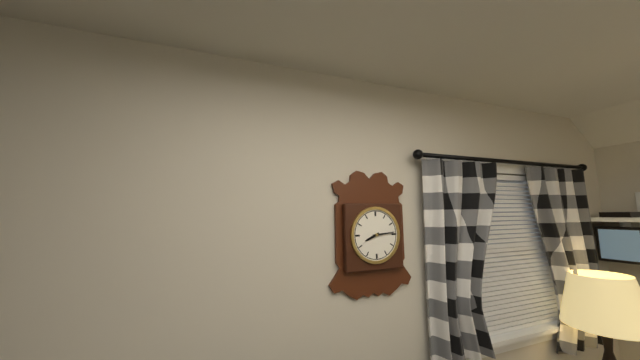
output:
8.14
